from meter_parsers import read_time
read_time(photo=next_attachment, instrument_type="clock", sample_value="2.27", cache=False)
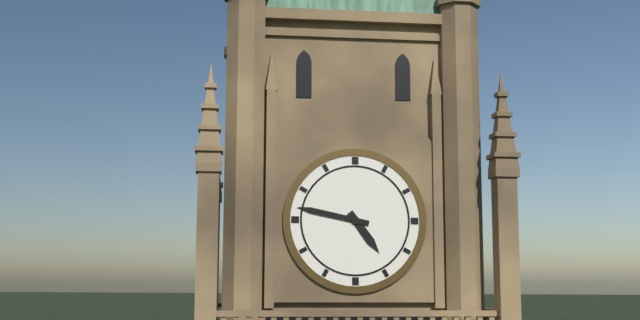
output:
4.47
